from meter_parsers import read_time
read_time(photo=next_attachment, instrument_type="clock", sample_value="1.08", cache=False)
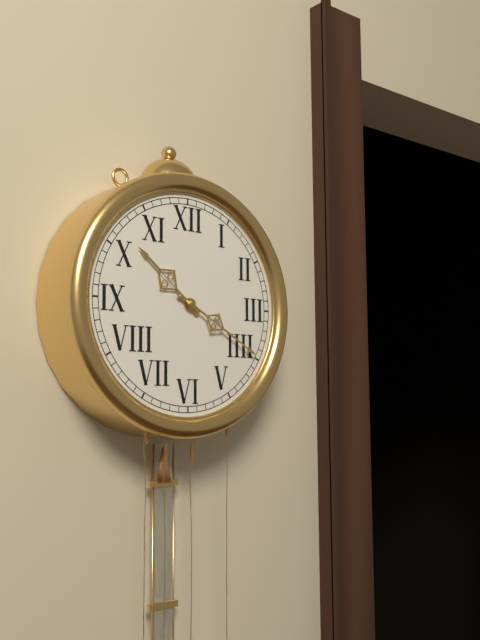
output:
10.20
